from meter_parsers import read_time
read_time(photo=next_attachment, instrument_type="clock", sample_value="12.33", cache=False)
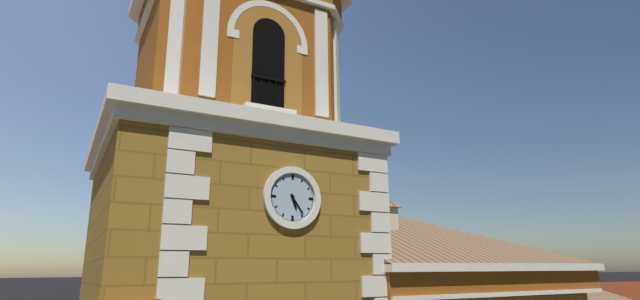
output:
5.24
